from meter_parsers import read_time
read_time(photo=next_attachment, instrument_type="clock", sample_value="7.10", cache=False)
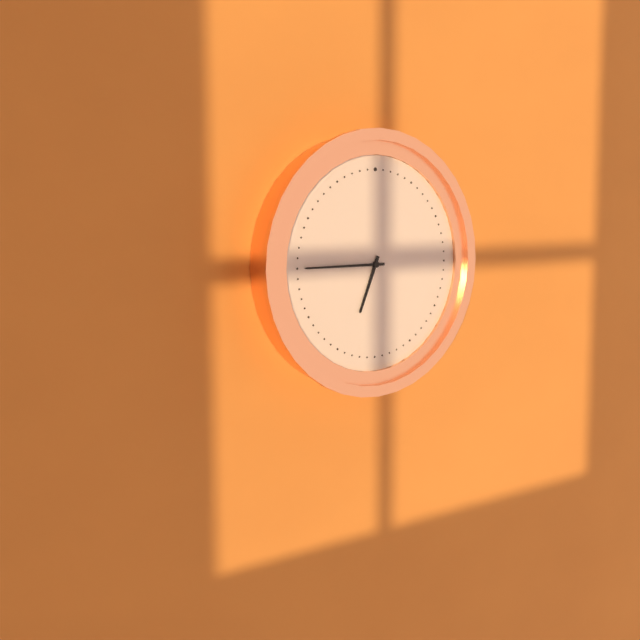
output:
6.45
